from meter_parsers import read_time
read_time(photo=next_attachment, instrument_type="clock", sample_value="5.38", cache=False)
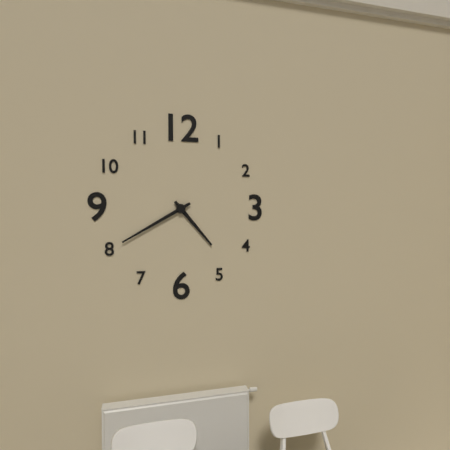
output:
4.40
